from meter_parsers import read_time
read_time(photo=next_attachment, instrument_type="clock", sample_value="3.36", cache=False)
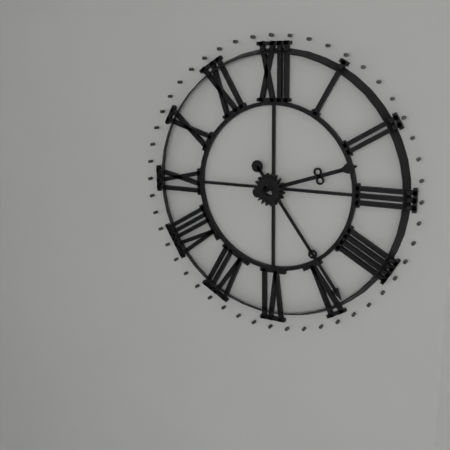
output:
2.24
